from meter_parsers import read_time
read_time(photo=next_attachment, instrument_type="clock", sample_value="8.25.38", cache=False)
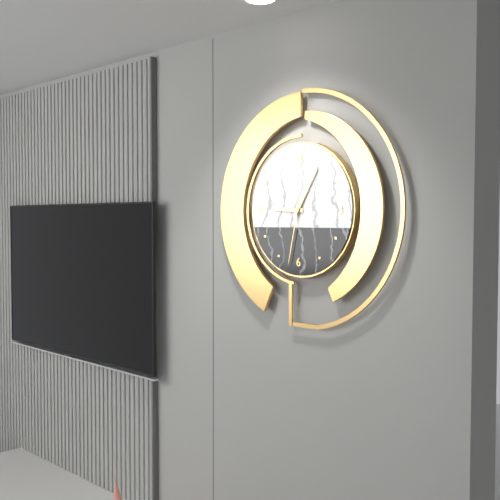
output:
9.05.32
